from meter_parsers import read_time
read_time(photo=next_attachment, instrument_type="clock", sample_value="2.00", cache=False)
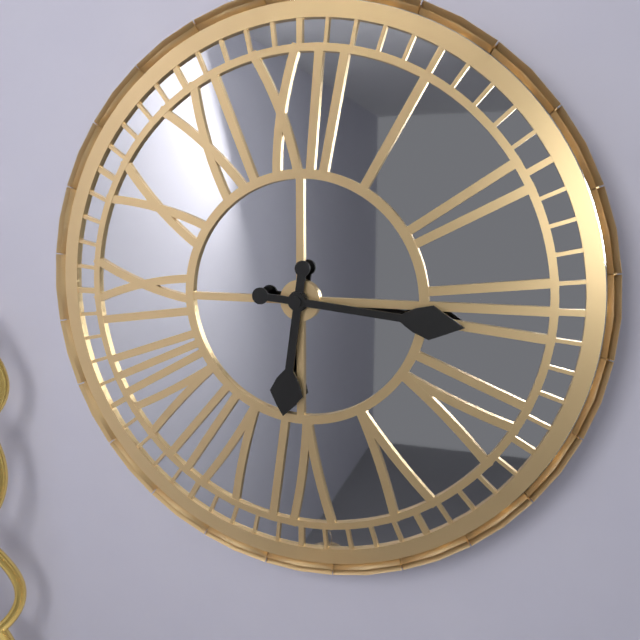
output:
6.16
